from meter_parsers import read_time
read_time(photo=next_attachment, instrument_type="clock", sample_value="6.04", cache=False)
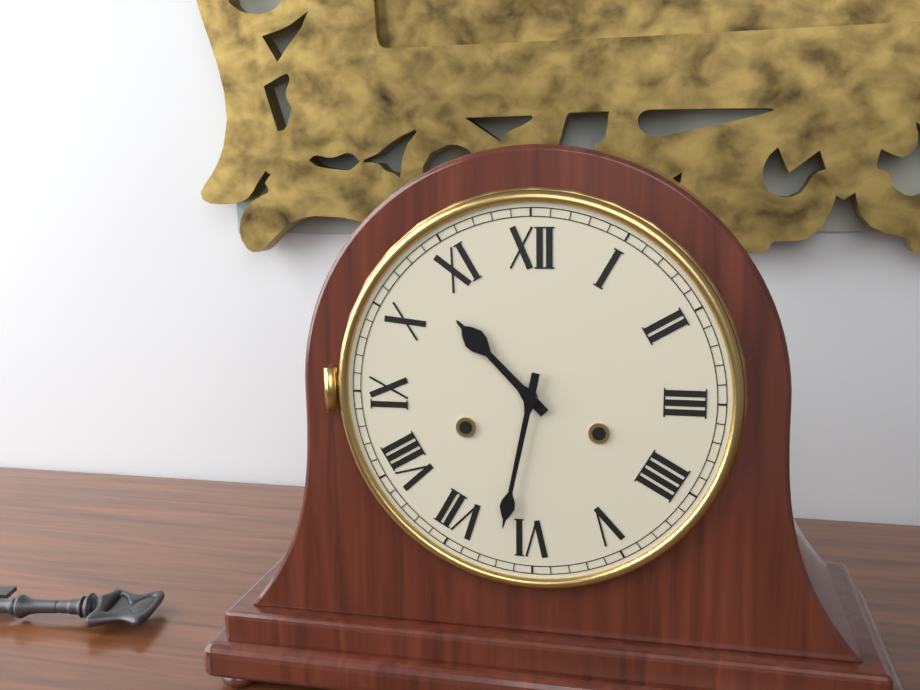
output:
10.32
